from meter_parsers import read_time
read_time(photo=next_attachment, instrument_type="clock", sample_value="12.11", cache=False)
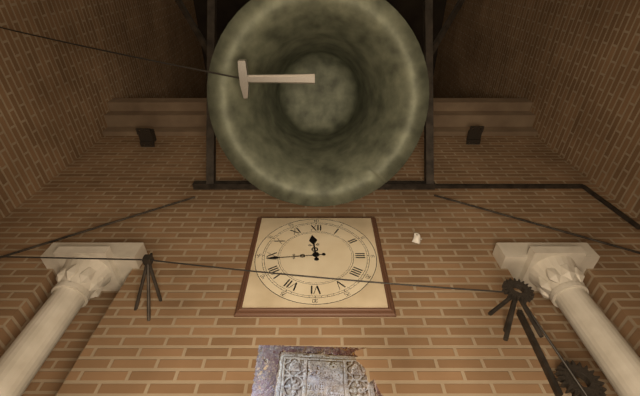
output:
11.44
